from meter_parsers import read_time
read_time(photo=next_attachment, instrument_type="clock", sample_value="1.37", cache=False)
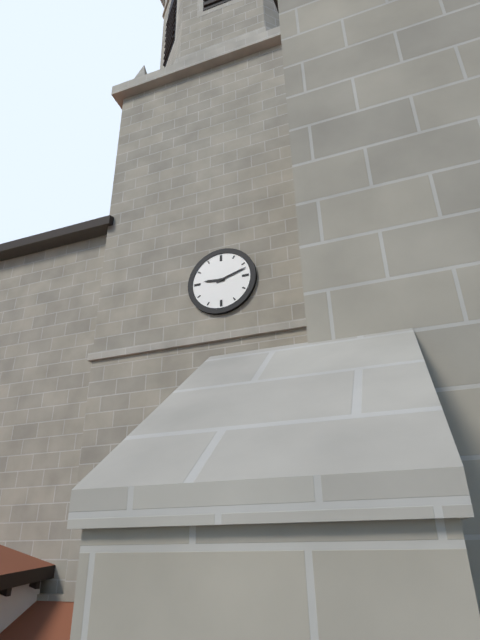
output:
9.12
